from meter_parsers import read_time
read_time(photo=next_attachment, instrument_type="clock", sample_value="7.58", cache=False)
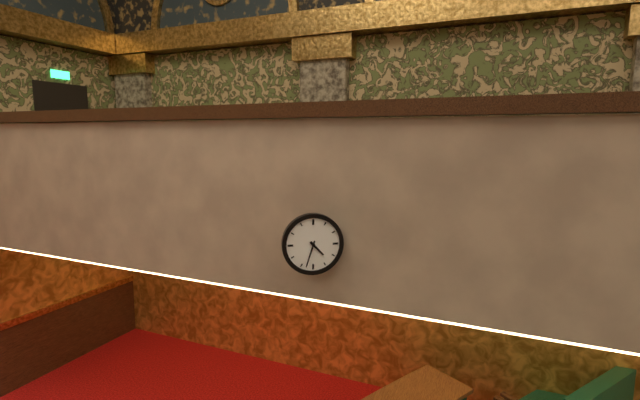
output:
4.33
